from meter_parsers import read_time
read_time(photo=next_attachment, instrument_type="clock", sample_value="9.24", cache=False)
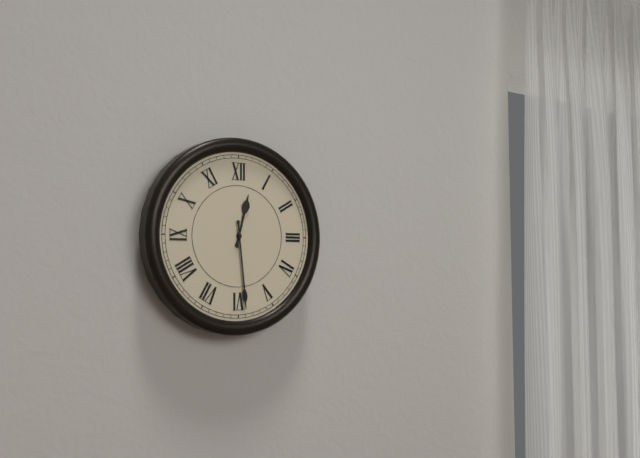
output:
12.29
